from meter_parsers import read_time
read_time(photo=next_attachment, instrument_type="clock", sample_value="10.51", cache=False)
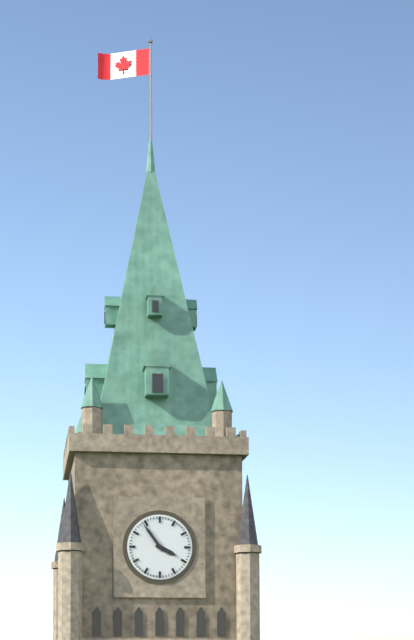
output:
3.54
